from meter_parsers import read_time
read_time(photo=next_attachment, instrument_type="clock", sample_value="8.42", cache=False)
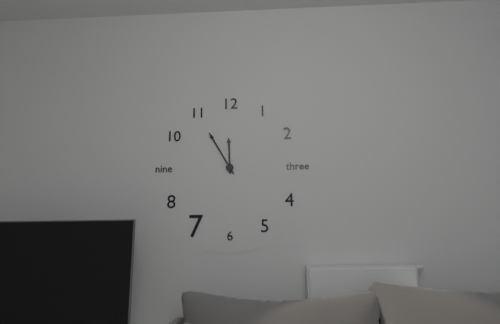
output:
11.55
